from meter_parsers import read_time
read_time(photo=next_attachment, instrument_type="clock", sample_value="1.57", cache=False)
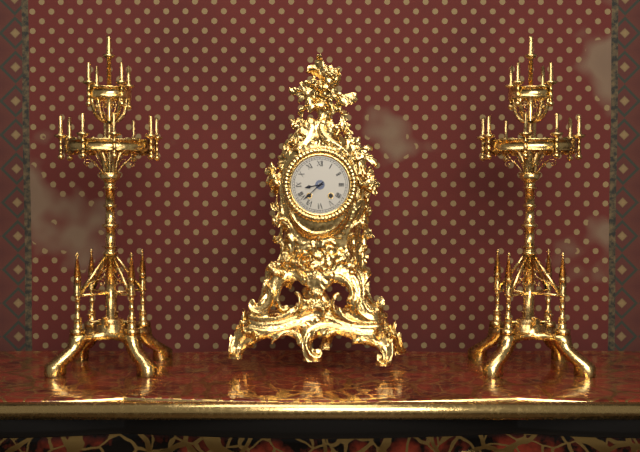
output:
8.38
